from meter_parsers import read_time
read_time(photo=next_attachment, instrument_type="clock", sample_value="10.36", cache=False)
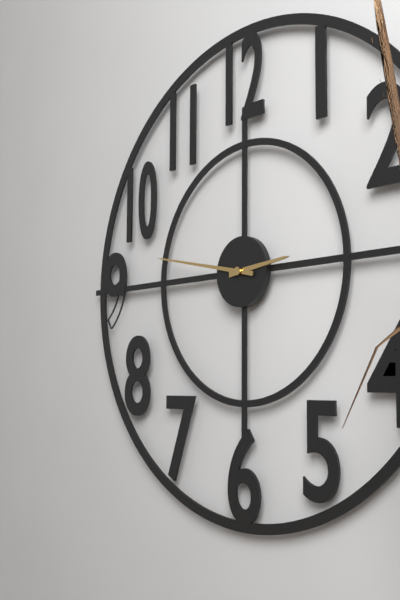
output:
2.47
